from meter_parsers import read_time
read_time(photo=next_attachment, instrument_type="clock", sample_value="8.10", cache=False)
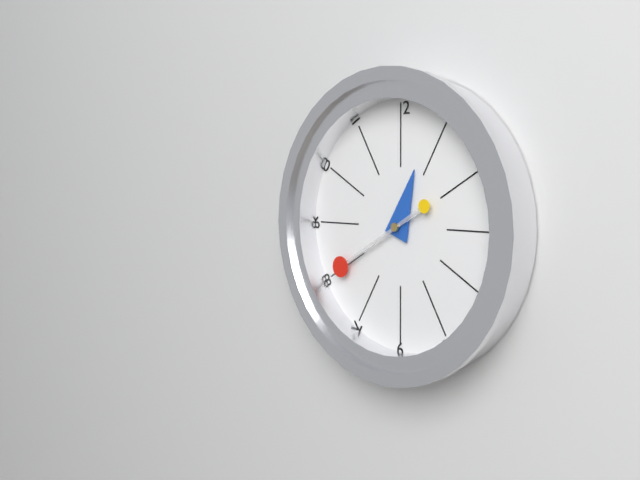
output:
12.40
